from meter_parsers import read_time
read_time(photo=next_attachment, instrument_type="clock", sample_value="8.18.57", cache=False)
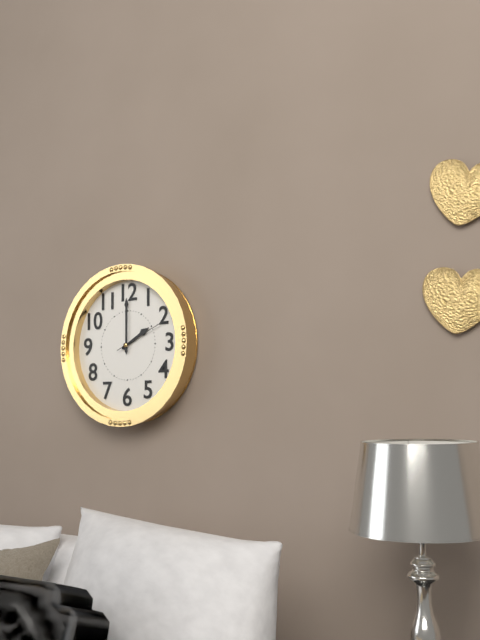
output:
2.00.11
